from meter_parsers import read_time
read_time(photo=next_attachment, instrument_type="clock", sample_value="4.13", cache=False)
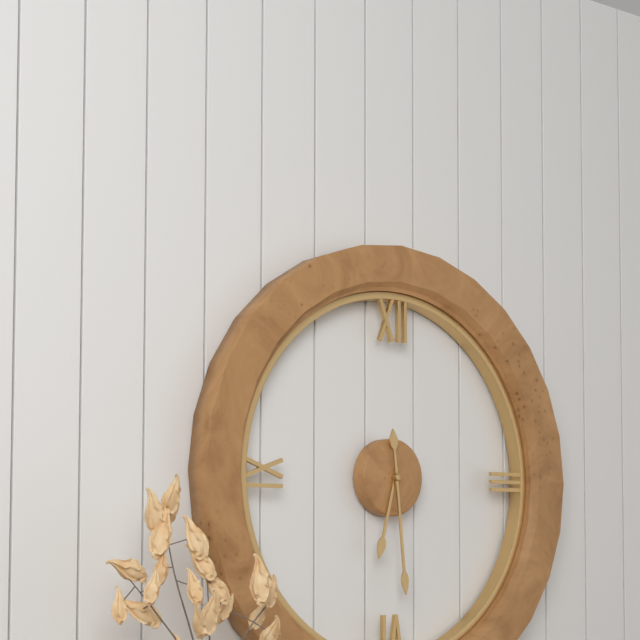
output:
6.29
